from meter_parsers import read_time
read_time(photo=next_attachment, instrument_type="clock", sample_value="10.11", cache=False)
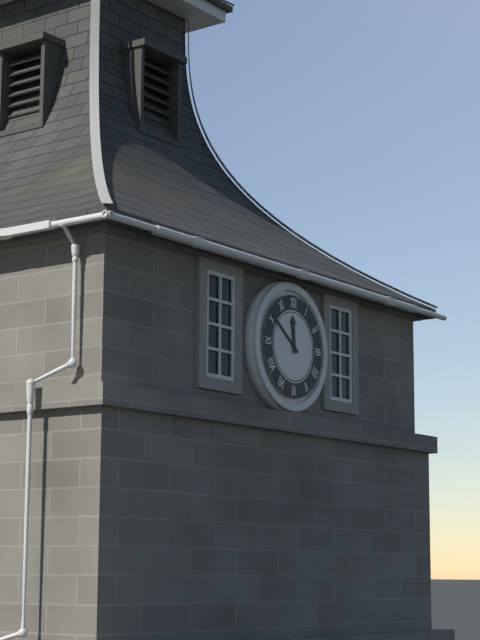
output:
11.51
